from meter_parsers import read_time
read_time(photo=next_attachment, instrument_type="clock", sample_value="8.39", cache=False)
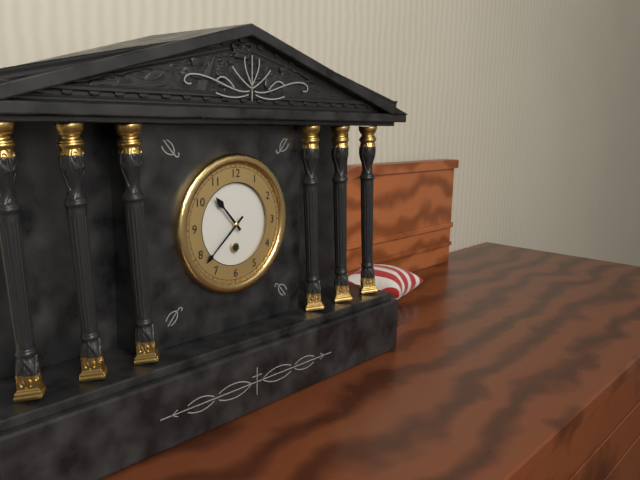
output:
10.38
